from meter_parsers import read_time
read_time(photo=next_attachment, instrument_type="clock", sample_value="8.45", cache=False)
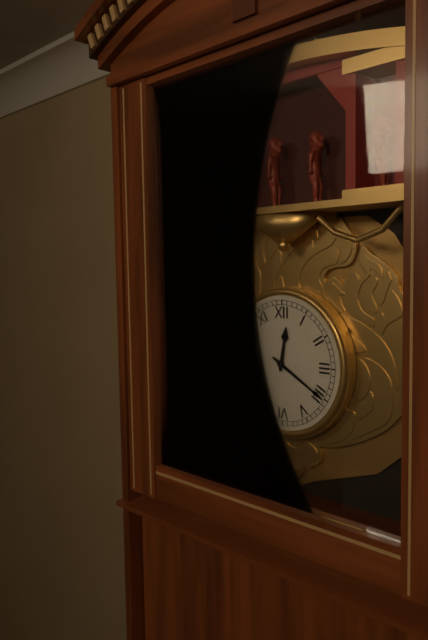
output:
12.20
